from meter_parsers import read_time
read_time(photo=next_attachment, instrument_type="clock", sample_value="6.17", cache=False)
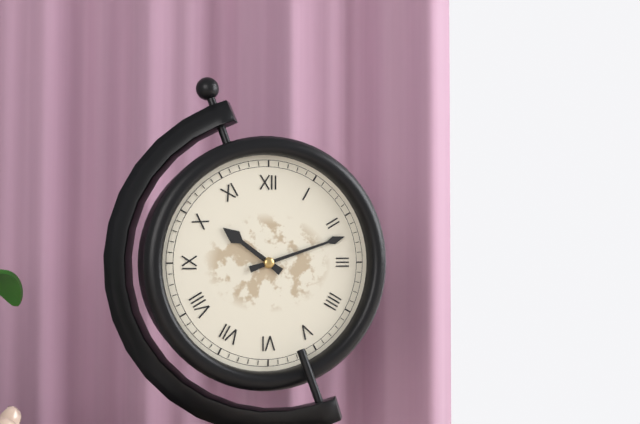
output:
10.12
